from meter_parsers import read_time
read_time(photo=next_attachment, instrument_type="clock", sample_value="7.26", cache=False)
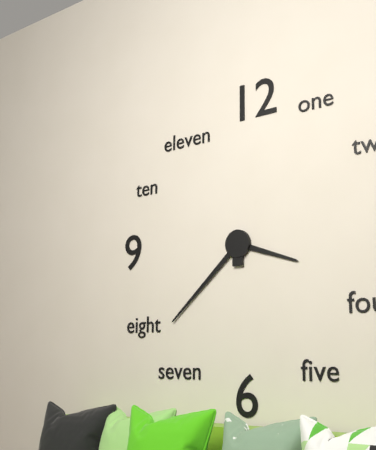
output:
3.38
